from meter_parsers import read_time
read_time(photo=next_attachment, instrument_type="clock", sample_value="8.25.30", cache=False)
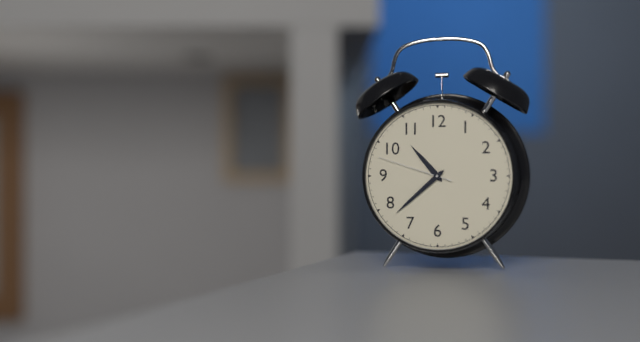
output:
10.38.48
